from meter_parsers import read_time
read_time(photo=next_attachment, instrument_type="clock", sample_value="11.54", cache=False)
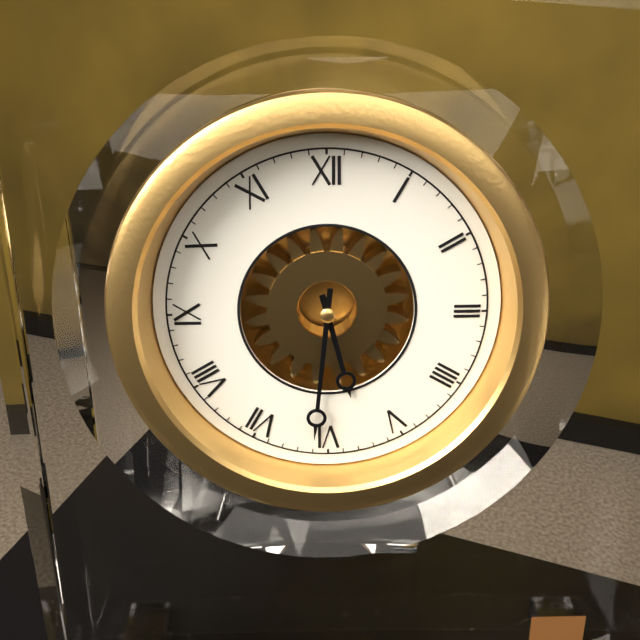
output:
5.31
